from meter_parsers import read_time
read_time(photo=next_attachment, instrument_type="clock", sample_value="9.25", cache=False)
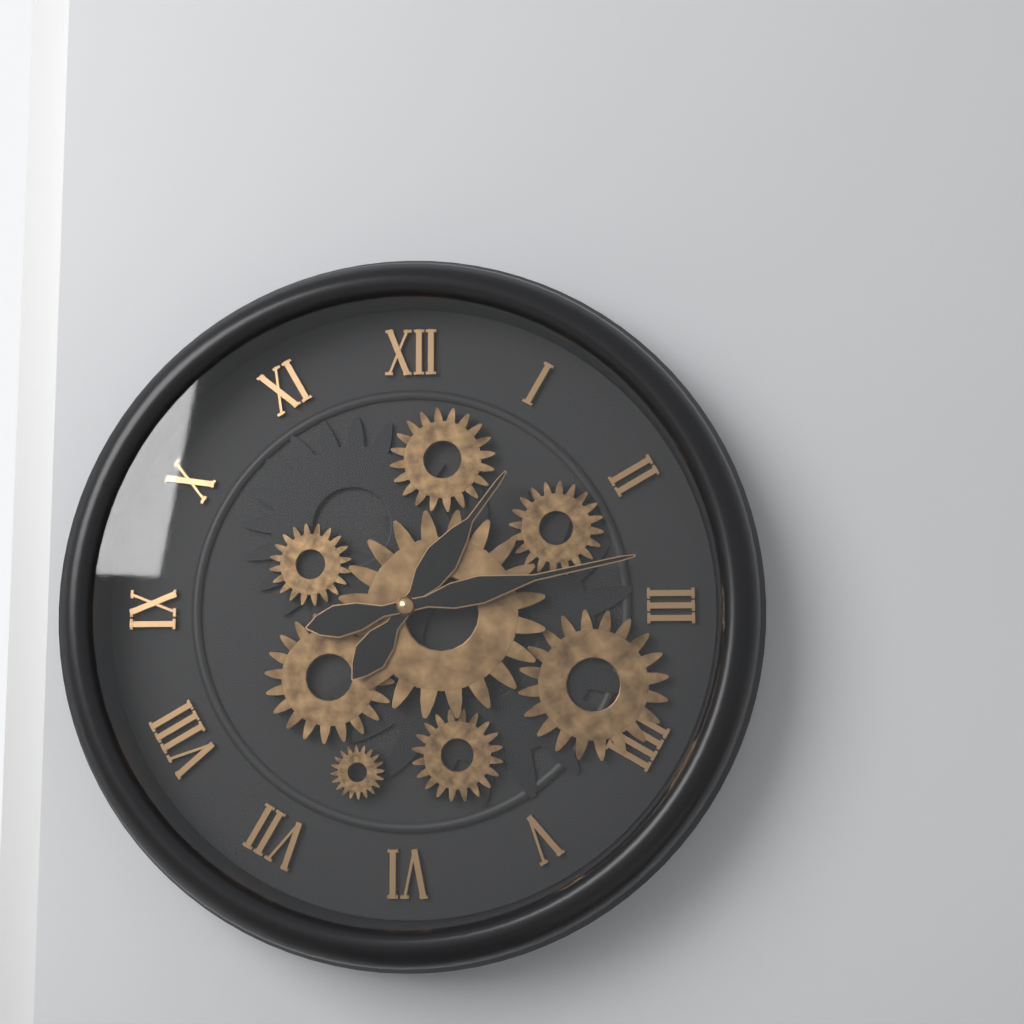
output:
1.13
